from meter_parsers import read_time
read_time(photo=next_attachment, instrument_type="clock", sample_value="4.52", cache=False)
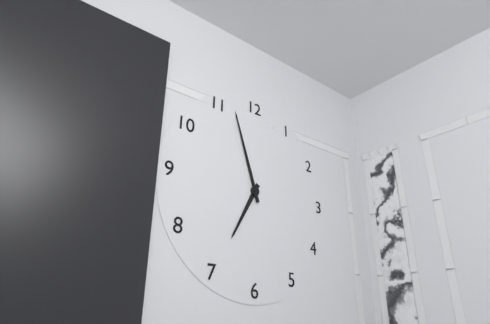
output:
6.57
